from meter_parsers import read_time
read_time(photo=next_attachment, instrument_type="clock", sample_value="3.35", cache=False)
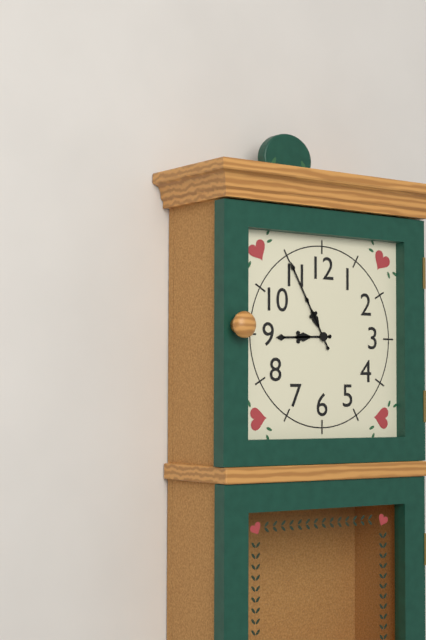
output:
8.55
